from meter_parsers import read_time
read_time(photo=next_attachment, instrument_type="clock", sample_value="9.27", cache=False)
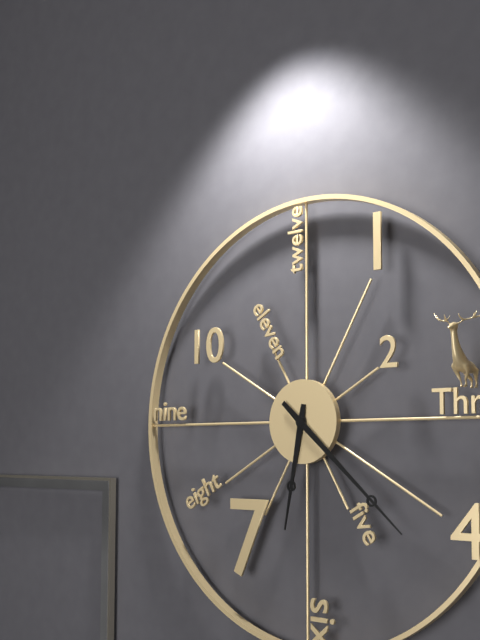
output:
6.22
